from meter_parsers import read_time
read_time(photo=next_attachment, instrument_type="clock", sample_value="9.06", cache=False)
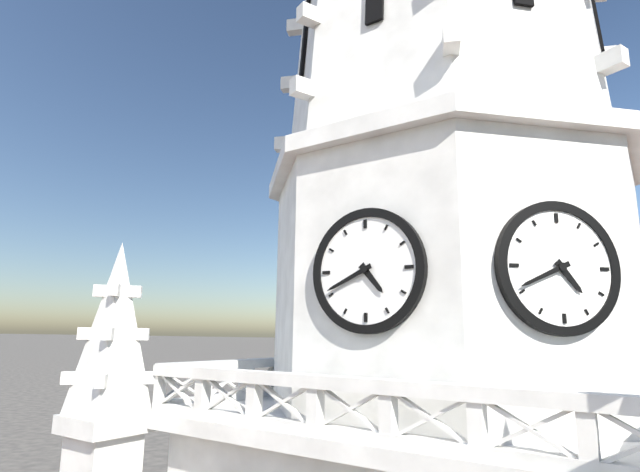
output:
4.41
